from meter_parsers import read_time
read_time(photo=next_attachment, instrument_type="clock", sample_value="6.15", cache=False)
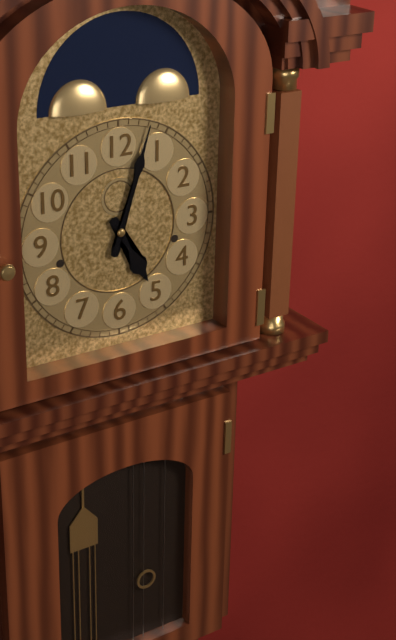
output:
5.03
